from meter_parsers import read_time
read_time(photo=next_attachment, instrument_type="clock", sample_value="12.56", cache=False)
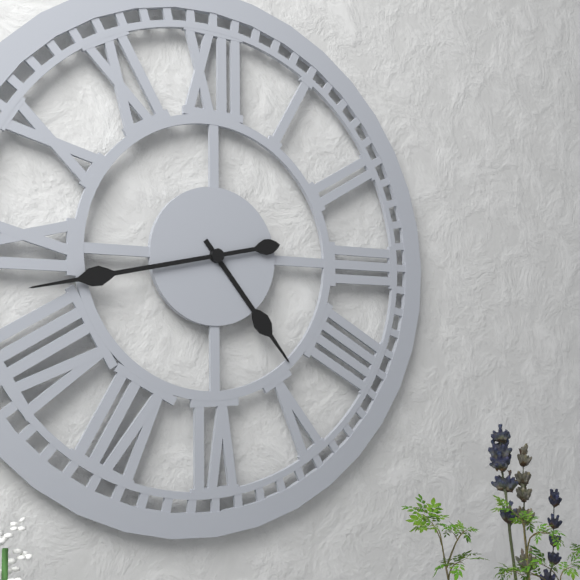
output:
4.43
